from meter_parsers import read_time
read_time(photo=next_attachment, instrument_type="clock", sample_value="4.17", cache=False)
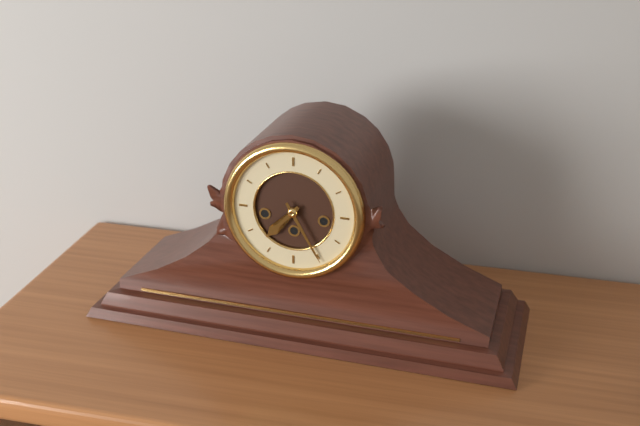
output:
7.25
